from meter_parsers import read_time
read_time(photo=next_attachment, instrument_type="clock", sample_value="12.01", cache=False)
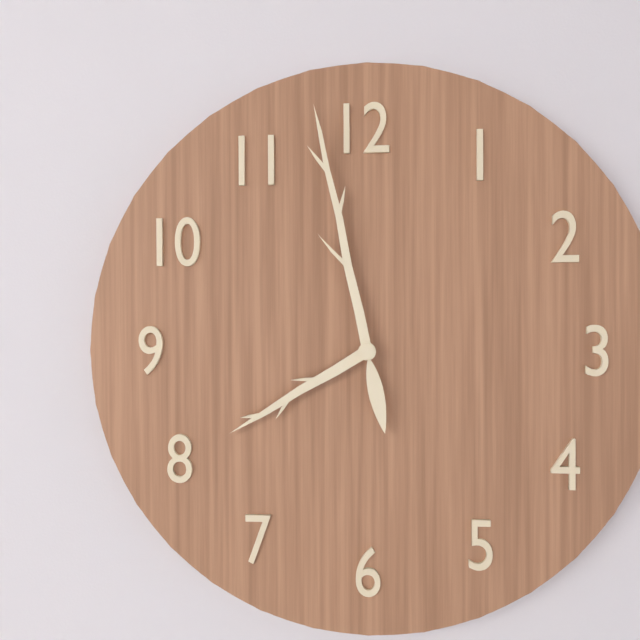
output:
7.58
